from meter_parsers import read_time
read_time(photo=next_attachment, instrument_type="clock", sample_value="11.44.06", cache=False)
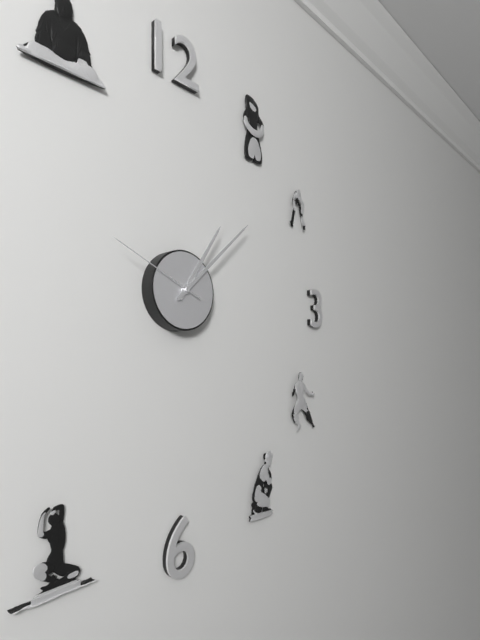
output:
1.08.49
